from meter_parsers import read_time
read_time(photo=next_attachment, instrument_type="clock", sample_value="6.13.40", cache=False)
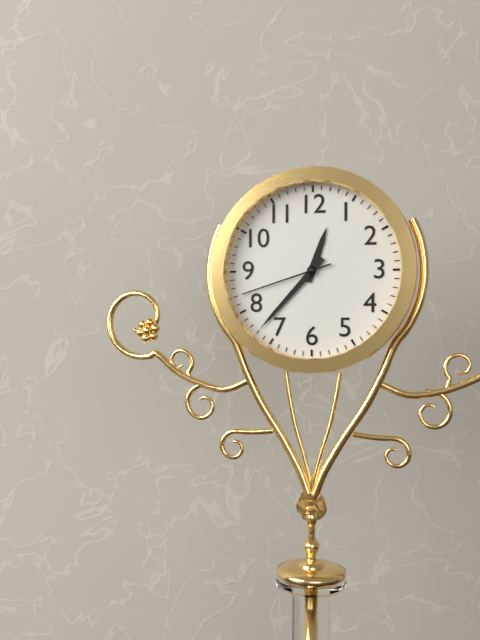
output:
12.37.42
